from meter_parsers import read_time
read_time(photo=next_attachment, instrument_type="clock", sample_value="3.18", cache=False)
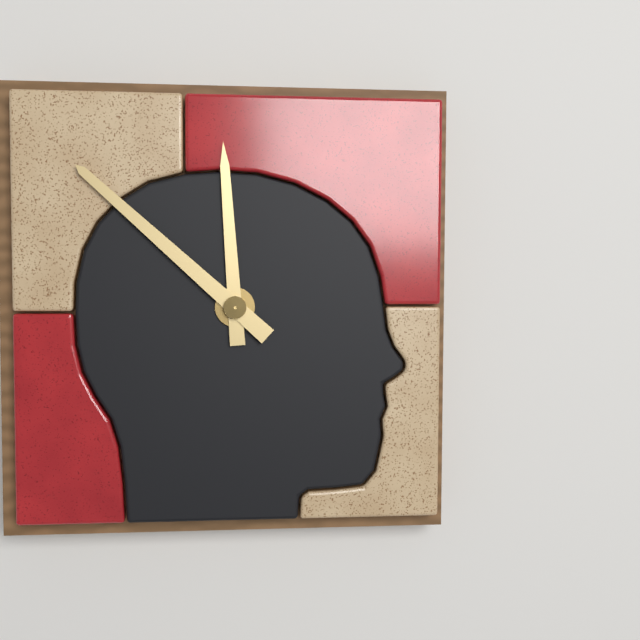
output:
11.52
